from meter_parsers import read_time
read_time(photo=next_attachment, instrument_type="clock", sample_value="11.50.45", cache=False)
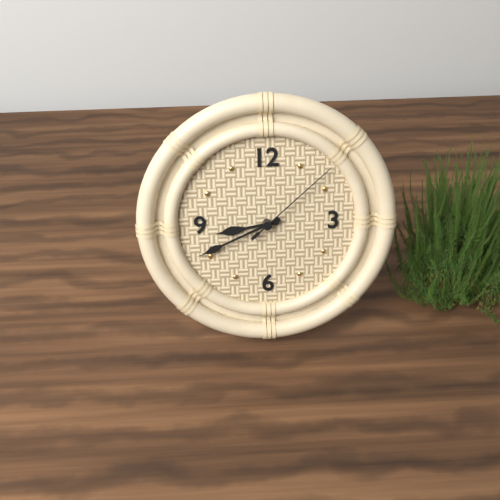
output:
8.41.08
